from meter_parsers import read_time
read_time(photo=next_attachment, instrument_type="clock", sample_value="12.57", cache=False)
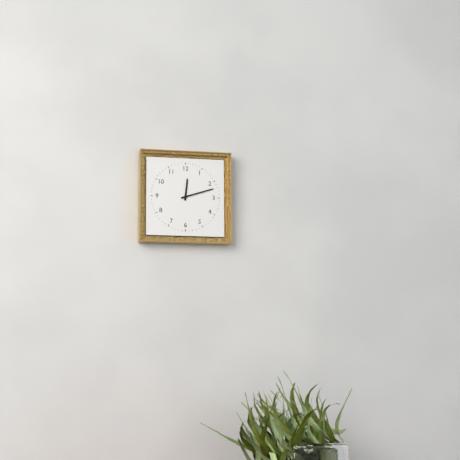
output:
12.12
